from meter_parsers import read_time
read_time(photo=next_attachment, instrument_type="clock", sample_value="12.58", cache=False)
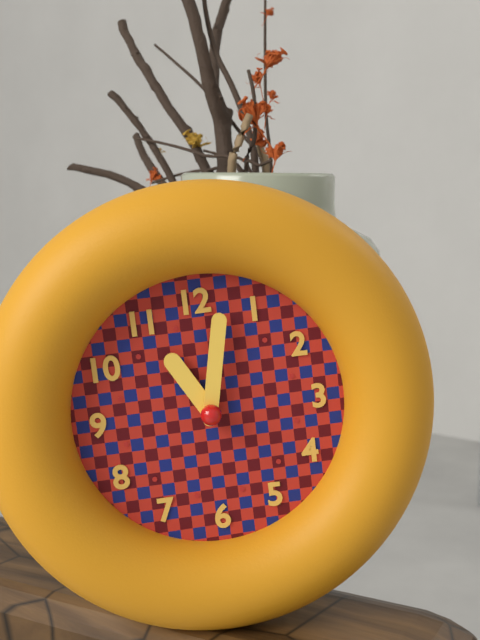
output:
11.02
